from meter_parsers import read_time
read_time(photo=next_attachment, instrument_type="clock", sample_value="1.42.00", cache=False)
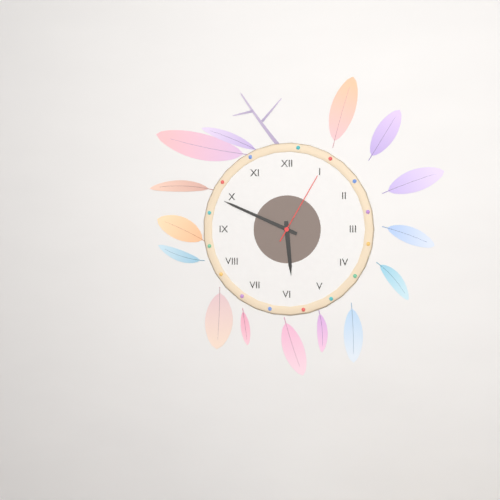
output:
5.49.05
